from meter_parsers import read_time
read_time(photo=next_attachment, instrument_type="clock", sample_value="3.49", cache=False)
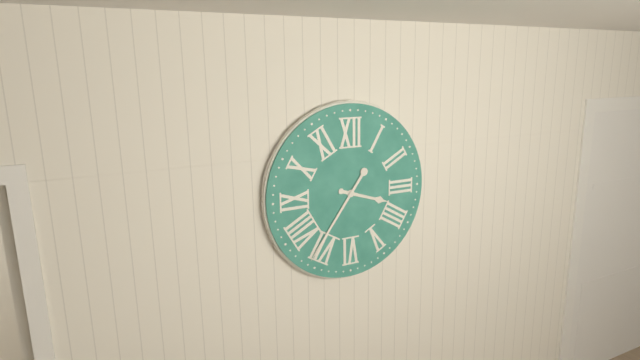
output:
3.36
